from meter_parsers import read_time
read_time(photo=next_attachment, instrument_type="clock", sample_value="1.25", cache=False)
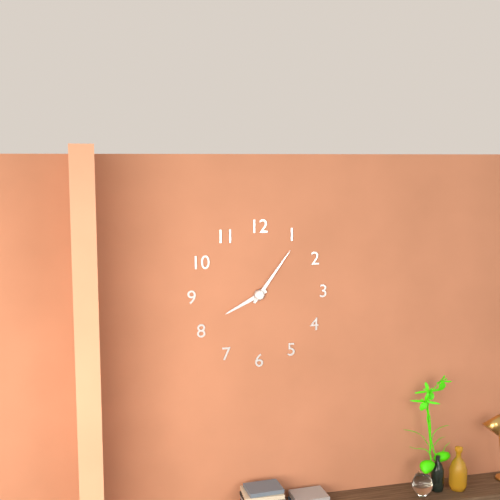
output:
8.06
